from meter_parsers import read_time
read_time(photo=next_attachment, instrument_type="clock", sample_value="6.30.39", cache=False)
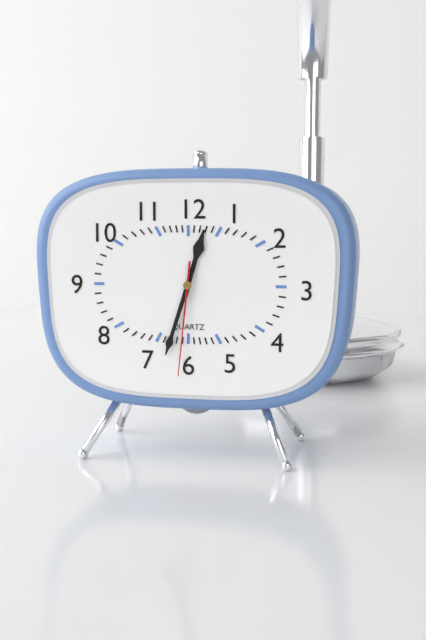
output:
12.33.31
